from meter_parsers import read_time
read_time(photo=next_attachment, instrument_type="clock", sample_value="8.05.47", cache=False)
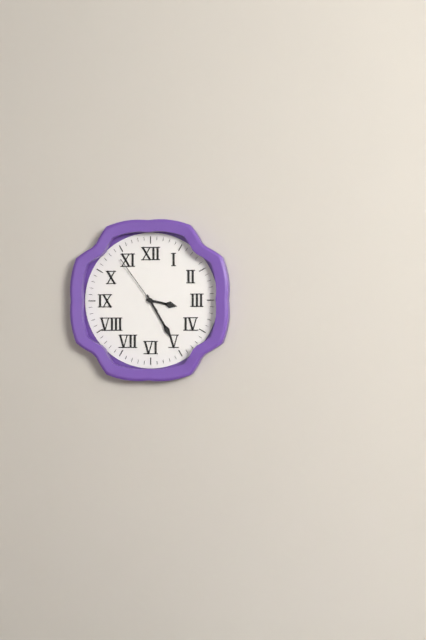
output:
3.25.54
